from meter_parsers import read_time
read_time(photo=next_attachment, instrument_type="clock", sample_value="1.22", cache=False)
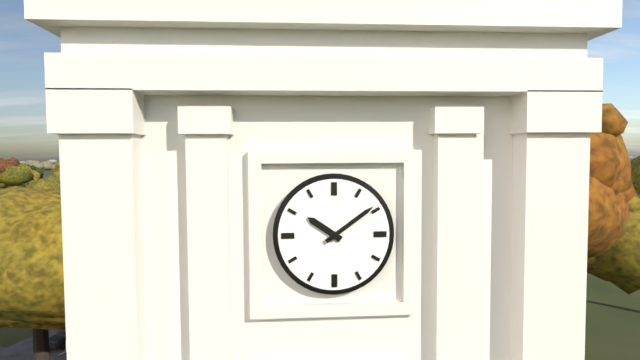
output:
10.09
